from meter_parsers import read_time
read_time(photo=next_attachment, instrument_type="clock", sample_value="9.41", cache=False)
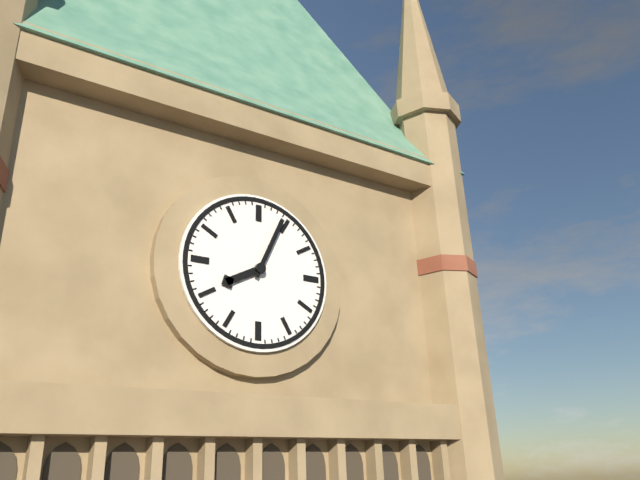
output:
8.04
